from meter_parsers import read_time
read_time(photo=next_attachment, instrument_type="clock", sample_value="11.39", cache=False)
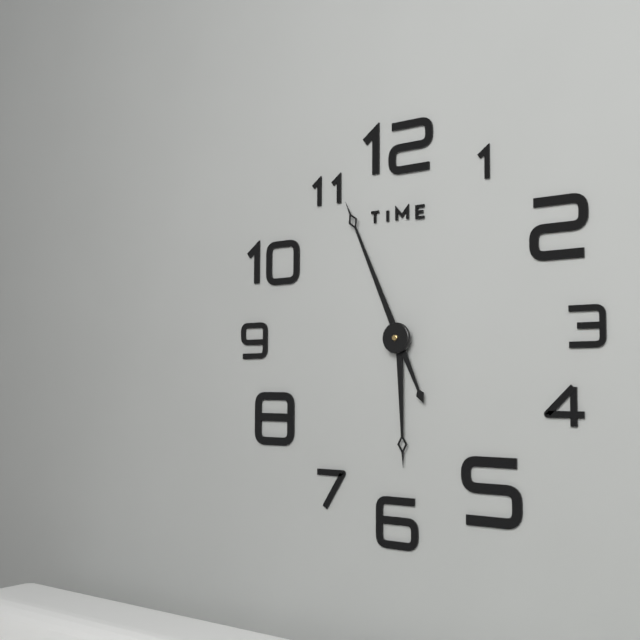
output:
5.56
